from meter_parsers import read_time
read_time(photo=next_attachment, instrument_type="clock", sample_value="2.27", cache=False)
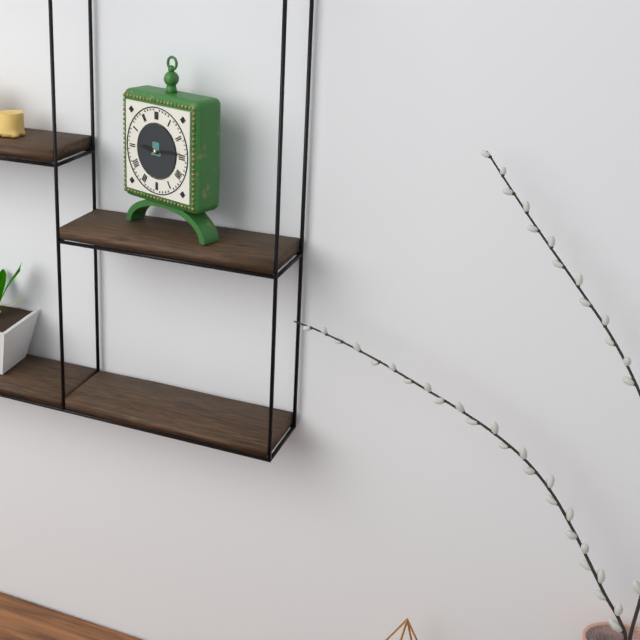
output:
9.14
